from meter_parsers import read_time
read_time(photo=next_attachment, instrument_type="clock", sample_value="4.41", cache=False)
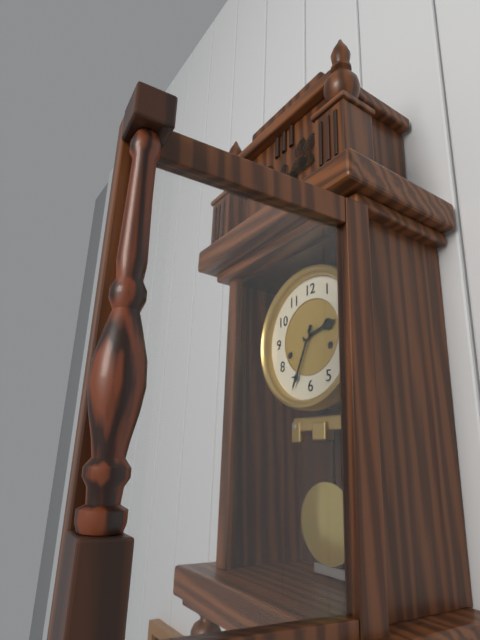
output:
2.34
